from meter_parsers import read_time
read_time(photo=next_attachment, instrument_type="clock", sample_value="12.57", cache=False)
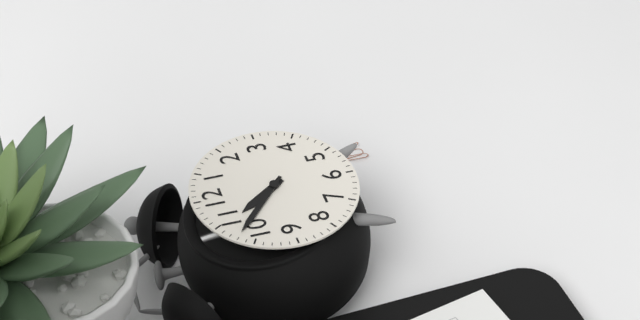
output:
10.52
